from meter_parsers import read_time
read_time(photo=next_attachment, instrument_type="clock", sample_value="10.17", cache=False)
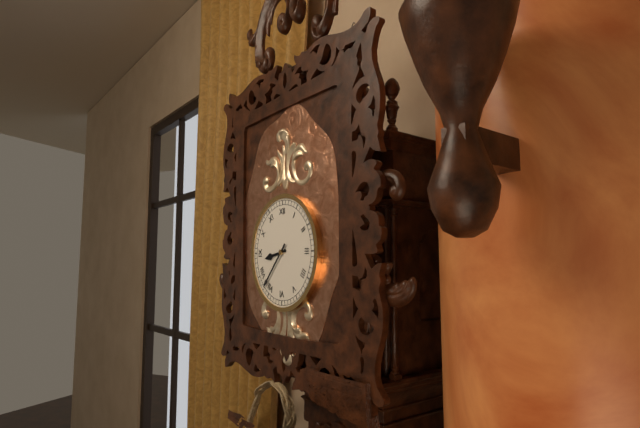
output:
8.37
